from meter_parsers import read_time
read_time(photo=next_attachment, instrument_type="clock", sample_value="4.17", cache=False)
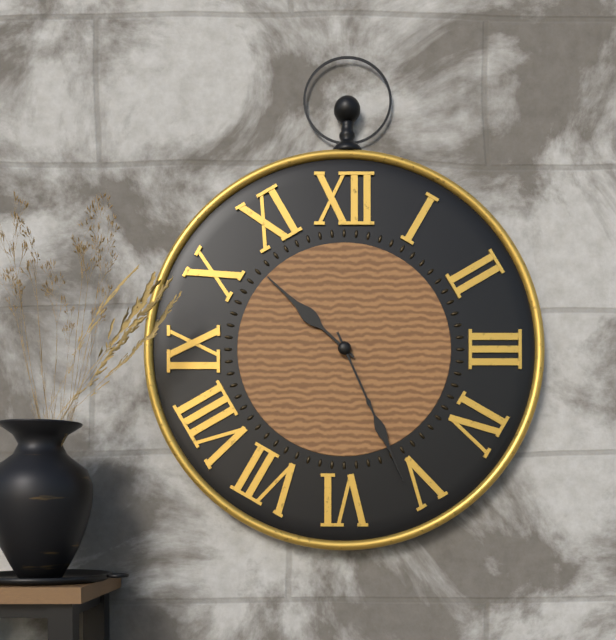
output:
10.26
